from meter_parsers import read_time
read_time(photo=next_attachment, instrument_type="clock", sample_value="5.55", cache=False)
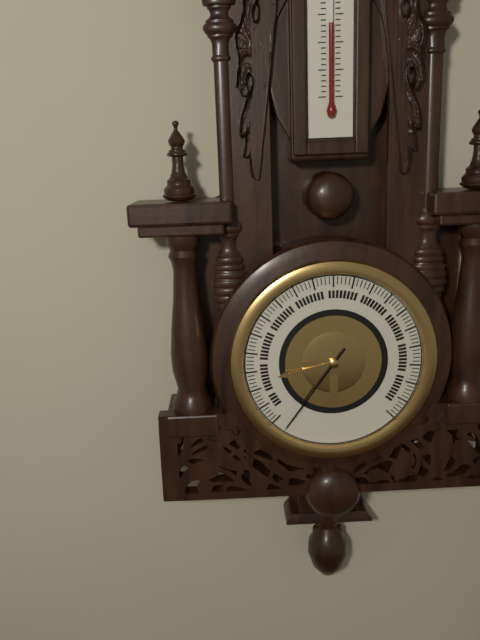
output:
8.36
